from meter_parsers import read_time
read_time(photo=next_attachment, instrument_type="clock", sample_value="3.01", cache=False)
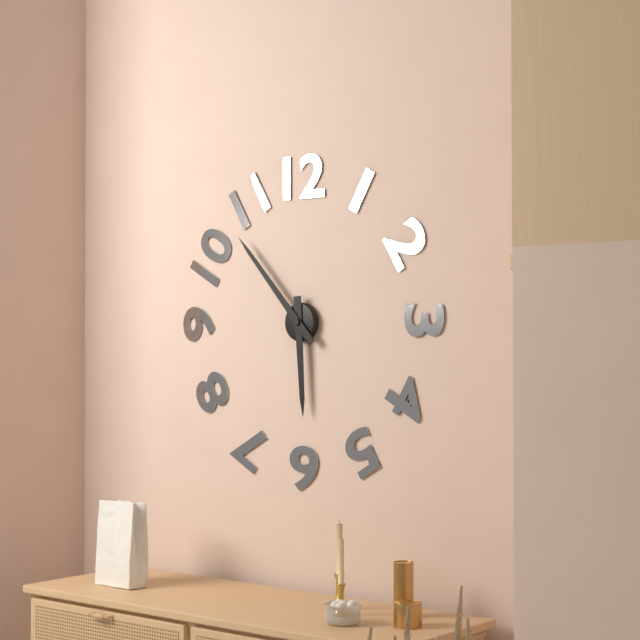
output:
5.53
